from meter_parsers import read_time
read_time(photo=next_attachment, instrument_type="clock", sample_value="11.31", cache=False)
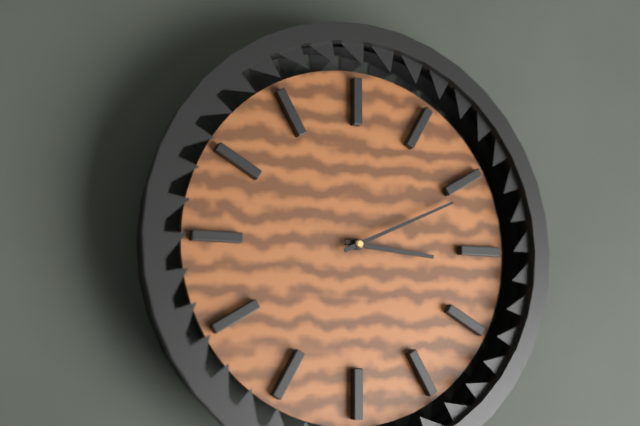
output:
3.11
